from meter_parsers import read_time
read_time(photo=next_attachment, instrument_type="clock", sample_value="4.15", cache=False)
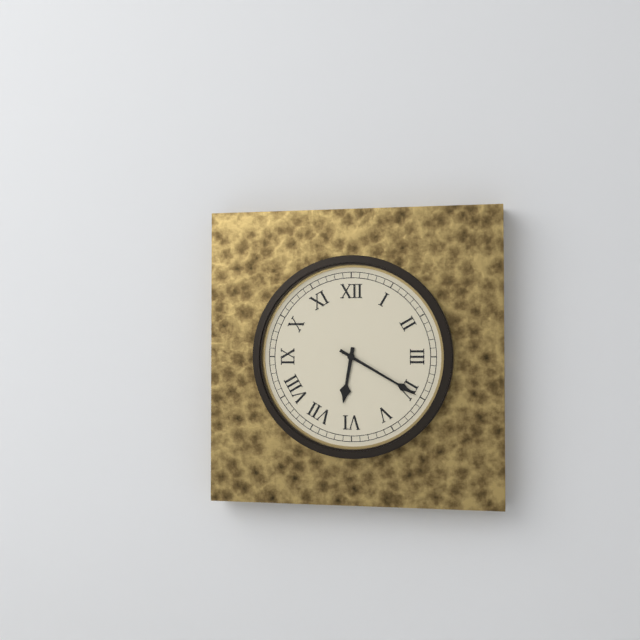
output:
6.20
